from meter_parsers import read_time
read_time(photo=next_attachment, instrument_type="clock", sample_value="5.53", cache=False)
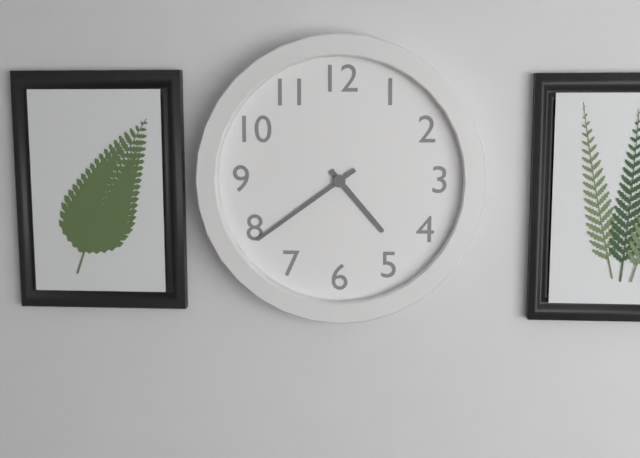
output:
4.39
